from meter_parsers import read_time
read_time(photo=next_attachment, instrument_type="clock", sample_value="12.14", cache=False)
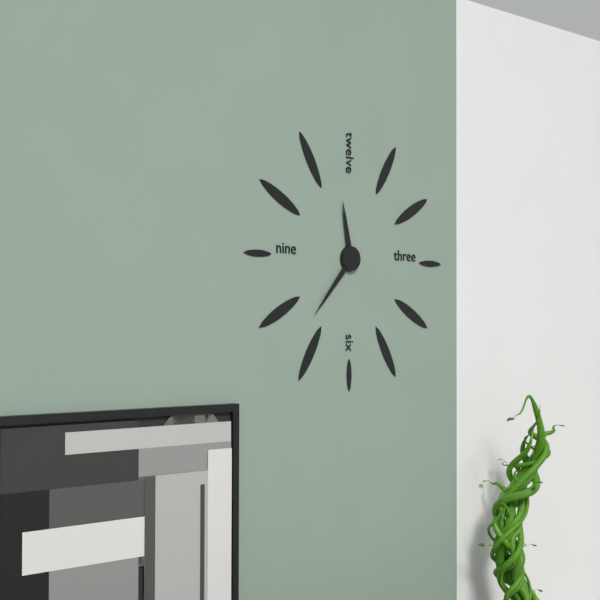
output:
11.37
